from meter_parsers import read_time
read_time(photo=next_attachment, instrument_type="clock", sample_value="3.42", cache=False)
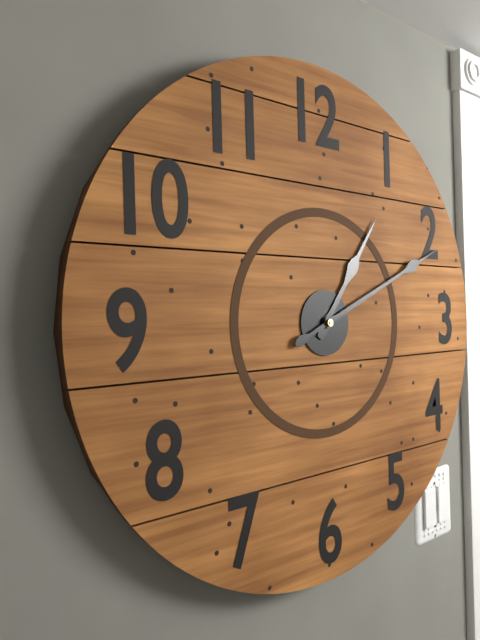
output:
1.11
